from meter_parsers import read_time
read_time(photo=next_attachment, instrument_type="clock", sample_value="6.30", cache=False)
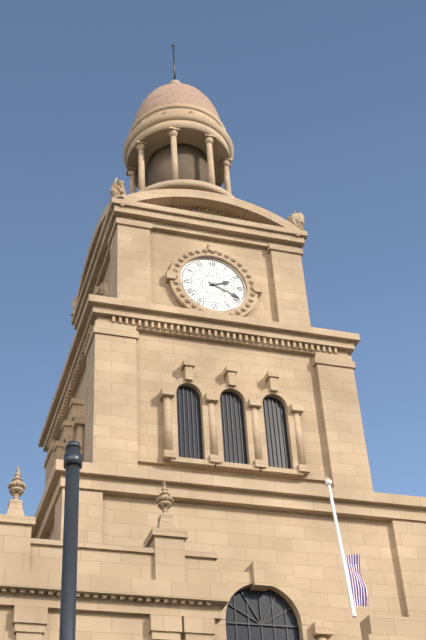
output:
2.19
